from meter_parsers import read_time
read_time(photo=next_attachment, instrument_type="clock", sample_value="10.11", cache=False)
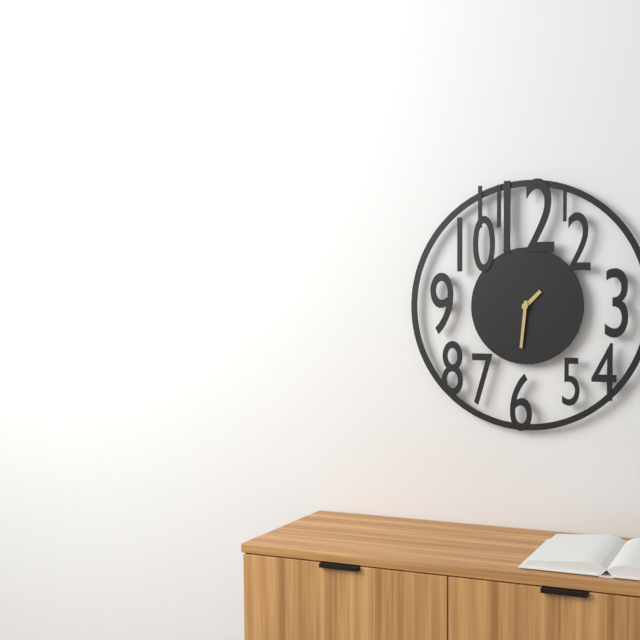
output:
1.31
